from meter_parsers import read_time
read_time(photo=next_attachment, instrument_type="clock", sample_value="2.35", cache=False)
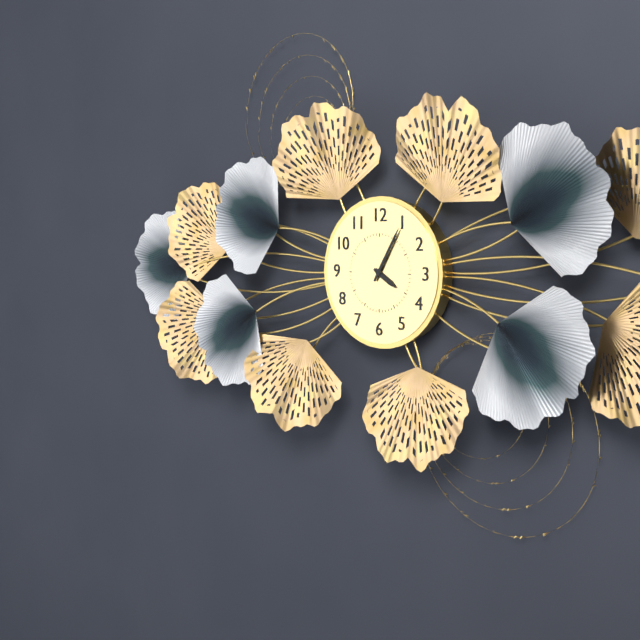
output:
4.05
